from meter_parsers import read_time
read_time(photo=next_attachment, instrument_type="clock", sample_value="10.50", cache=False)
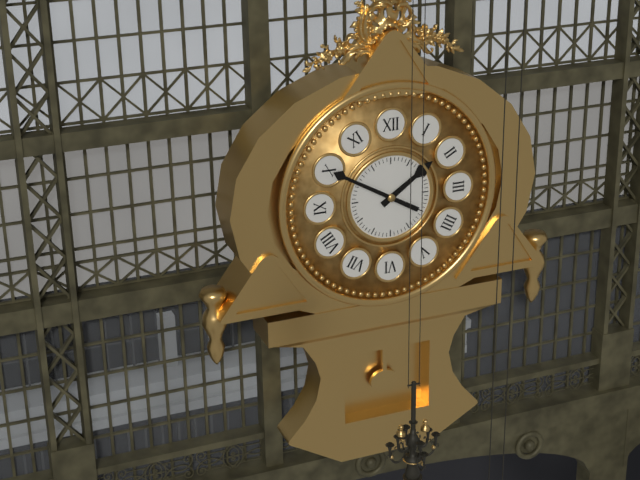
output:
1.50
